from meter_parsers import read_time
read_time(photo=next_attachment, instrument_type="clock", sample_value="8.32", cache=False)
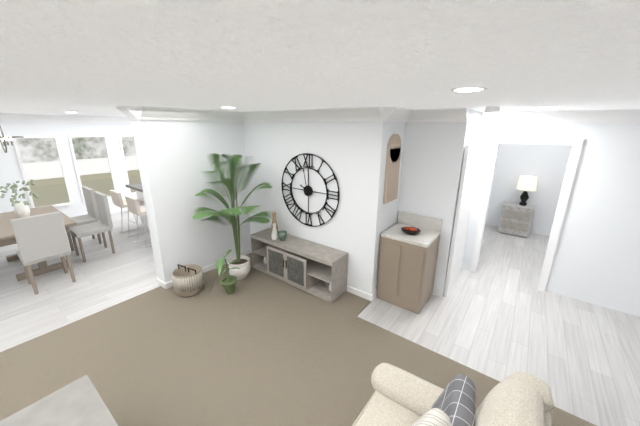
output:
9.58
